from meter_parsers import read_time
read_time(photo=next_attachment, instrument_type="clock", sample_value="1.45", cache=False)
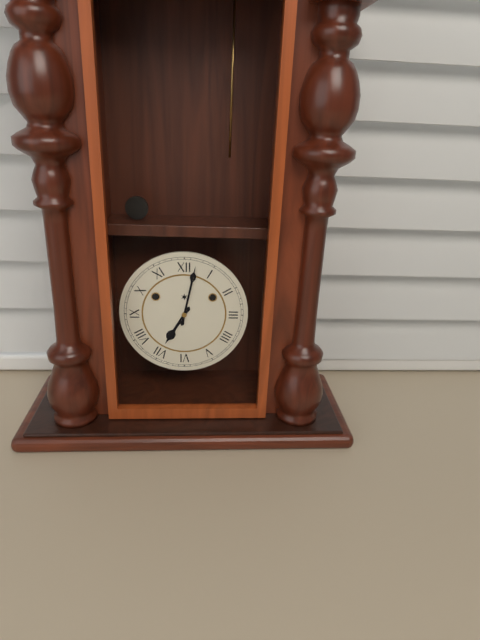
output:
7.02
